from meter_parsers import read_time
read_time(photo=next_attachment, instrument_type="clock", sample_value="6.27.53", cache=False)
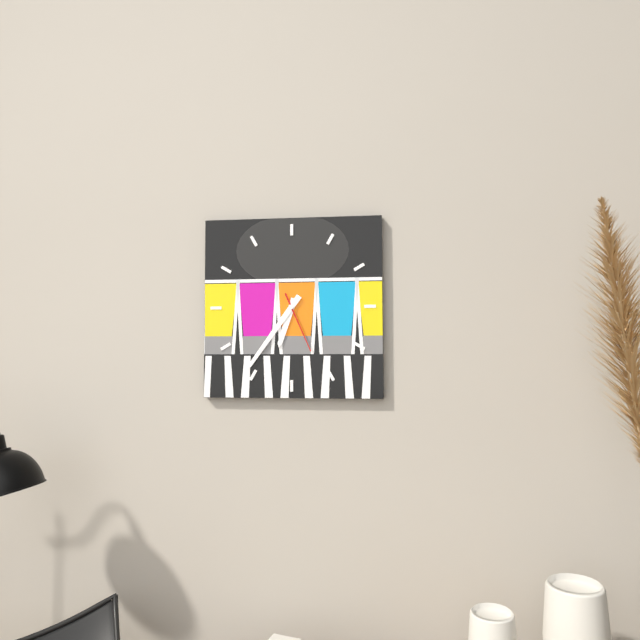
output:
6.36.26
